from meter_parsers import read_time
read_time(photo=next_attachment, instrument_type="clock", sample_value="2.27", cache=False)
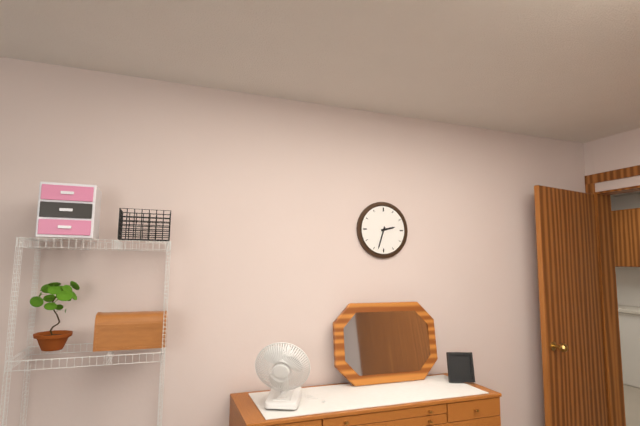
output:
2.33
